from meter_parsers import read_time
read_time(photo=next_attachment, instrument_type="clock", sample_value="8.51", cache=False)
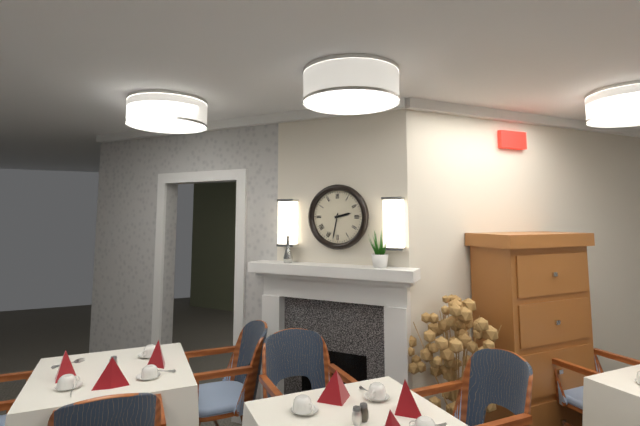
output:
2.32
